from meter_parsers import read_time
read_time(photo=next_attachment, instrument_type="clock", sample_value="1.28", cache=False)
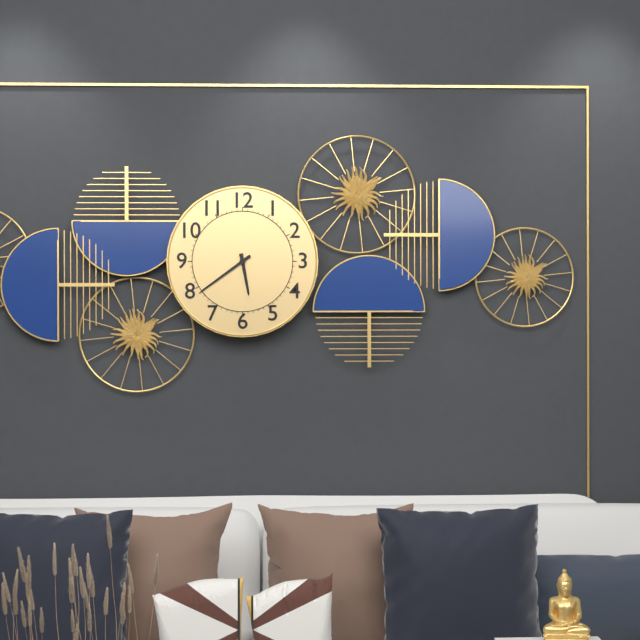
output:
5.39
